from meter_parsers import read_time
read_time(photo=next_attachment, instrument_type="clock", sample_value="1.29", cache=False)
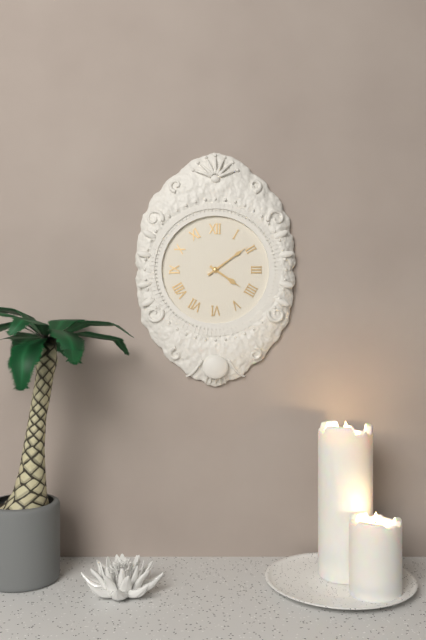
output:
4.09
